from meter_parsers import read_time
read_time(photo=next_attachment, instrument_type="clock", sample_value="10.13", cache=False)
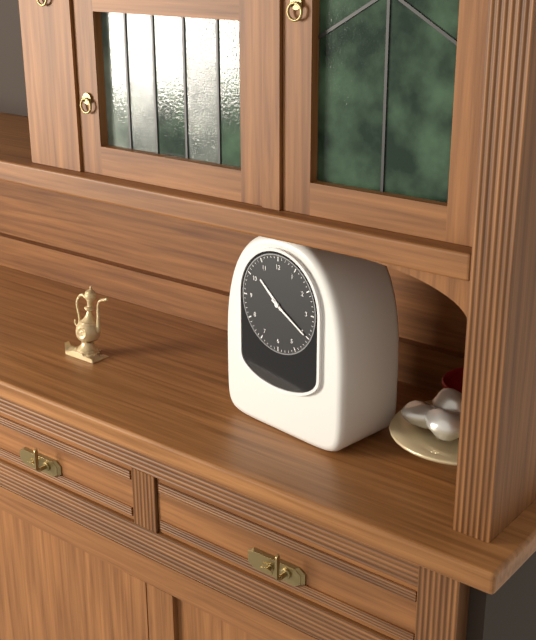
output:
10.20
